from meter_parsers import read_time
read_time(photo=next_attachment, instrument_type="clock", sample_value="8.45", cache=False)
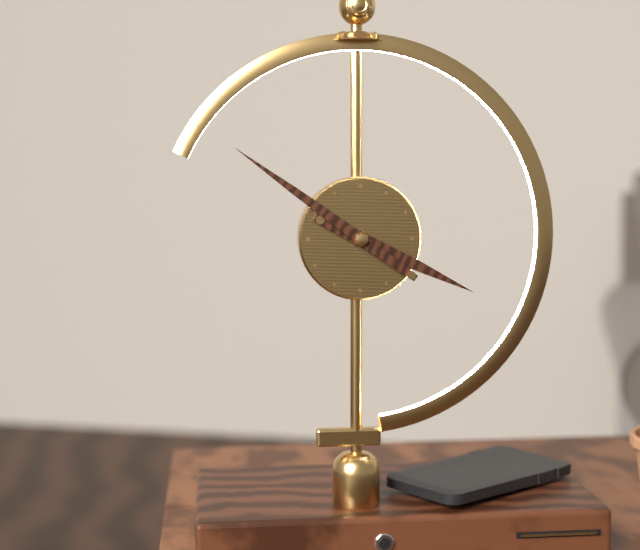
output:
3.51
